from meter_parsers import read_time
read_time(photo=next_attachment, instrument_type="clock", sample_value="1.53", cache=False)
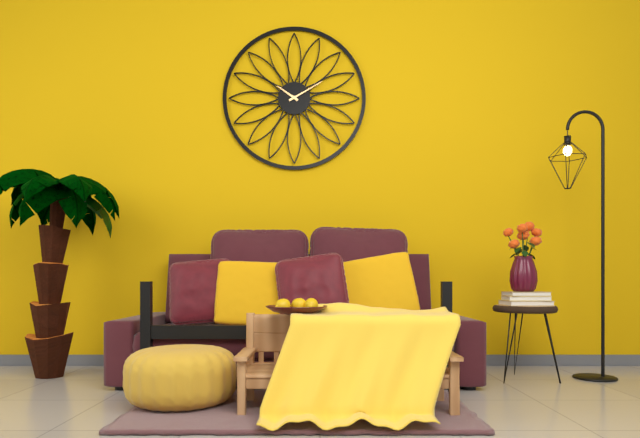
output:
10.10
